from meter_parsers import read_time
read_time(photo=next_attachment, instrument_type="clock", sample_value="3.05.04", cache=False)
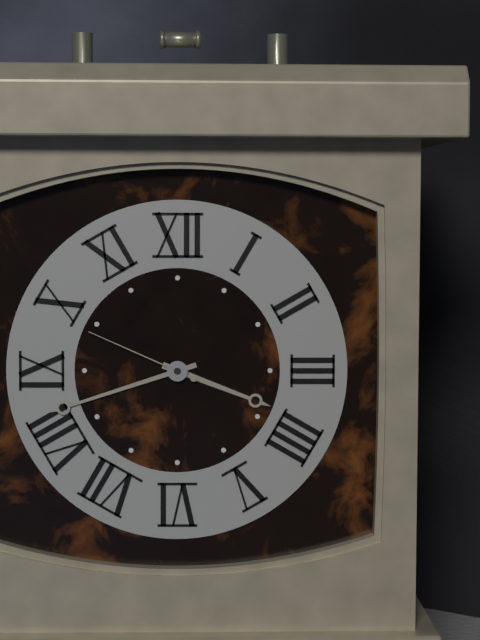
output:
3.42.49
